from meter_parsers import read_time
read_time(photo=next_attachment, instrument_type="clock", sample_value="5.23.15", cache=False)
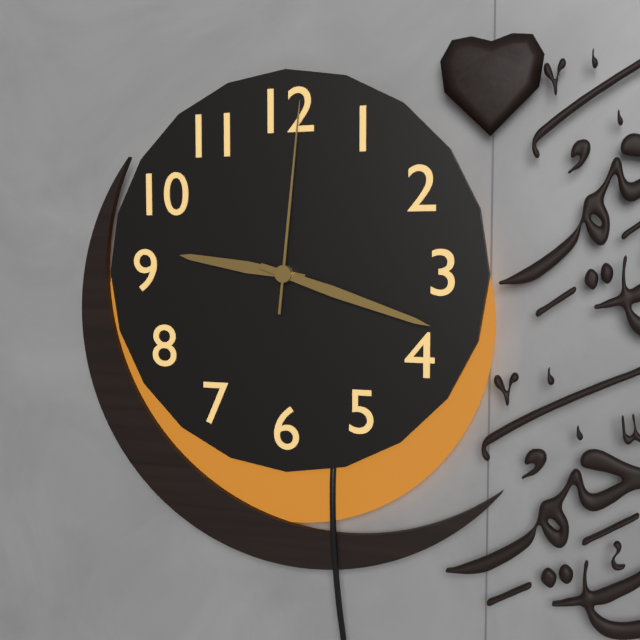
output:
9.18.01
